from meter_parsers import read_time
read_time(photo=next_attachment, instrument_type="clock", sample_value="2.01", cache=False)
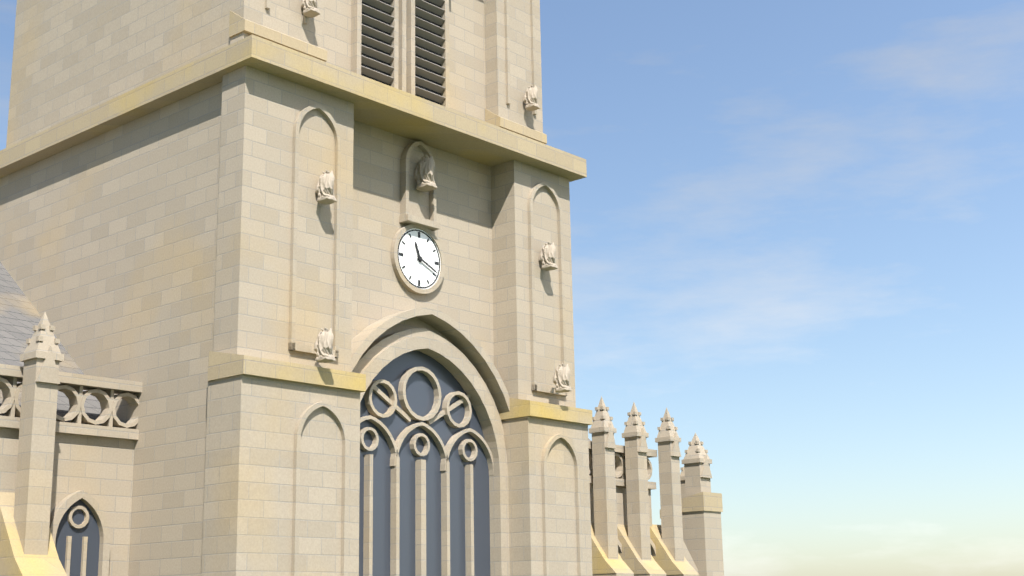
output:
11.19
